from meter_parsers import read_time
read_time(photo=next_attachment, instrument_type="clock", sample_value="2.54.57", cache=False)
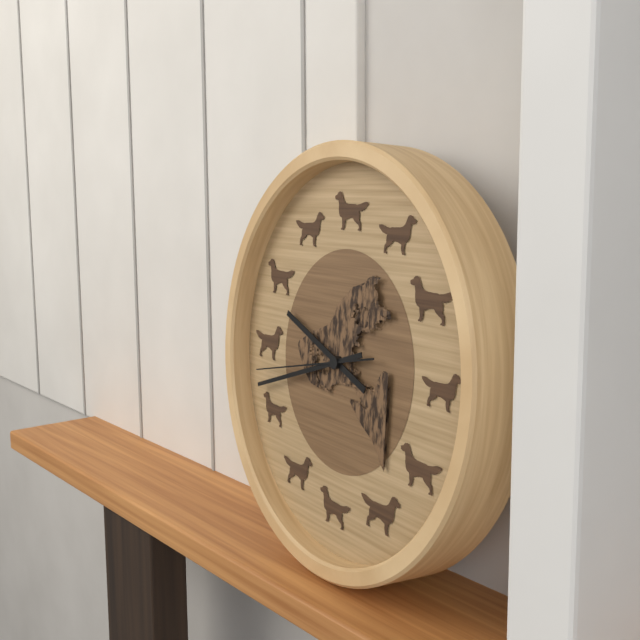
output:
9.42.43
